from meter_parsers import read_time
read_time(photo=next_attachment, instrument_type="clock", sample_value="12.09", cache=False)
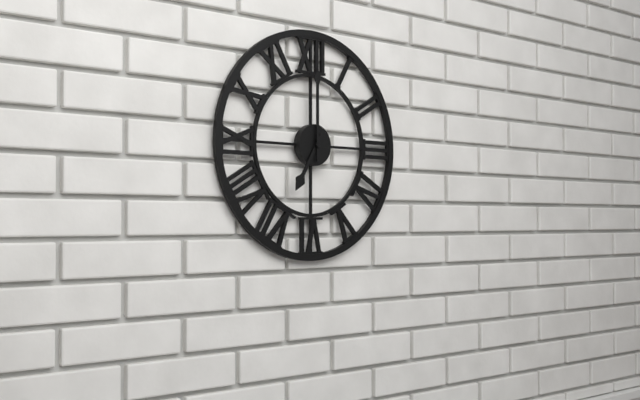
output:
7.00
